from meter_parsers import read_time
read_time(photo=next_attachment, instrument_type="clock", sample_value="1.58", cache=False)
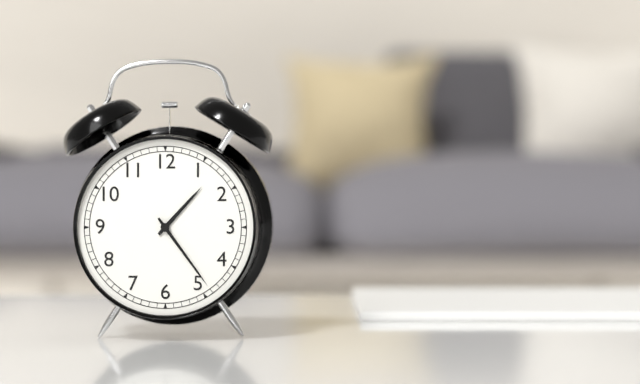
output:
1.24
